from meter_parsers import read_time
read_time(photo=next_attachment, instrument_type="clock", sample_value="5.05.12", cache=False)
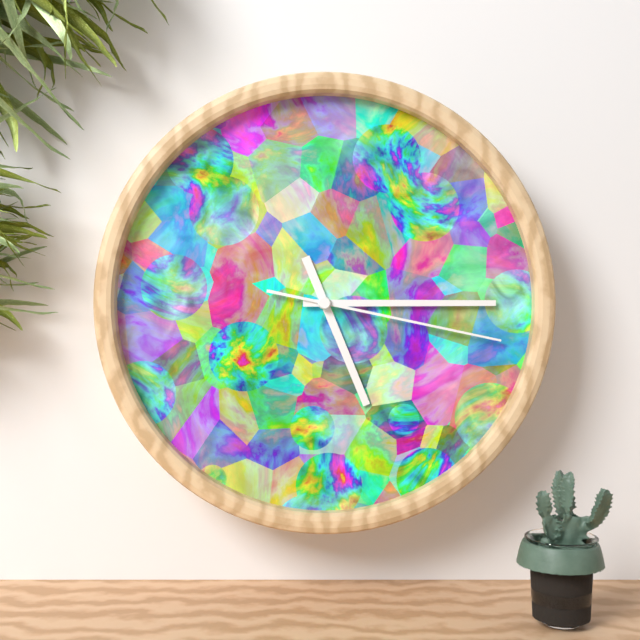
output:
5.15.17
